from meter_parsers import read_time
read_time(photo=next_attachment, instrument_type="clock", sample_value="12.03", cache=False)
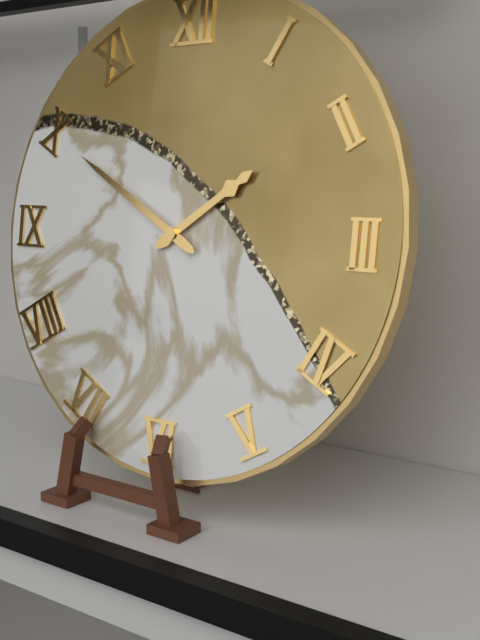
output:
1.50
